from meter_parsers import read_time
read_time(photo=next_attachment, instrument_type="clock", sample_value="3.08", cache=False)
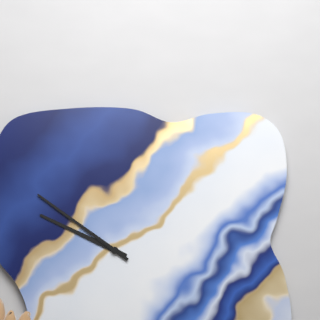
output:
9.51
